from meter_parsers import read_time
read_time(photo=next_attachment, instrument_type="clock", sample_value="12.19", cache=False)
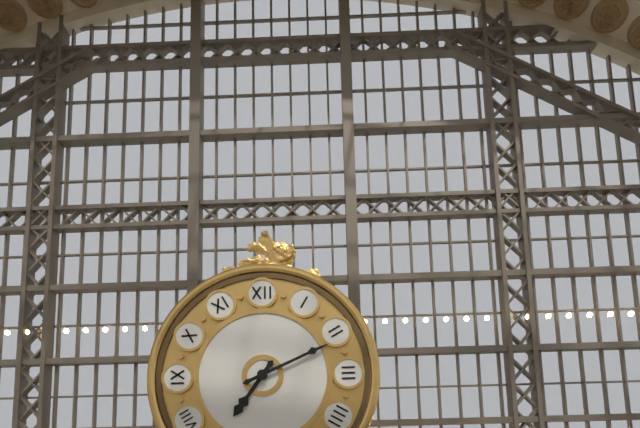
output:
7.11
